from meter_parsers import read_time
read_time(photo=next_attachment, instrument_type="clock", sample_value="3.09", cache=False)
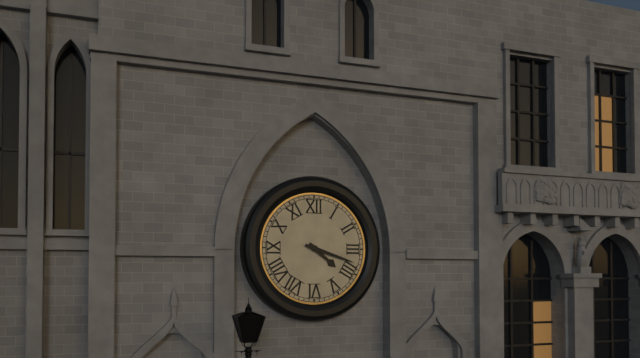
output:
4.18
